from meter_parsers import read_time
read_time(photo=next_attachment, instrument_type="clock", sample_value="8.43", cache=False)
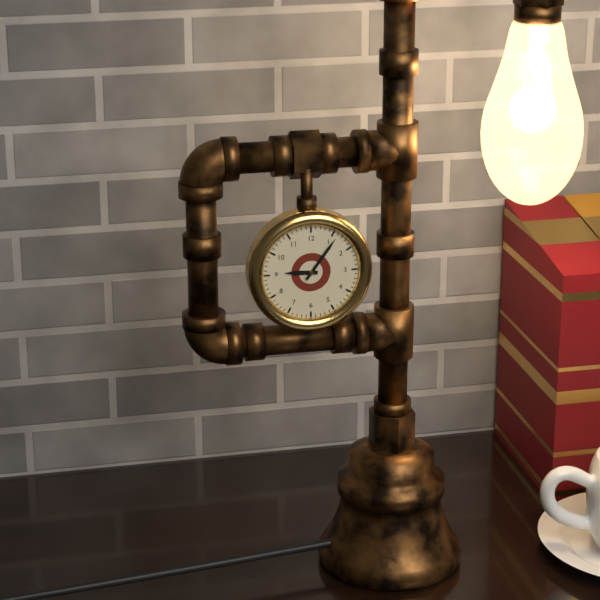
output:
9.06
